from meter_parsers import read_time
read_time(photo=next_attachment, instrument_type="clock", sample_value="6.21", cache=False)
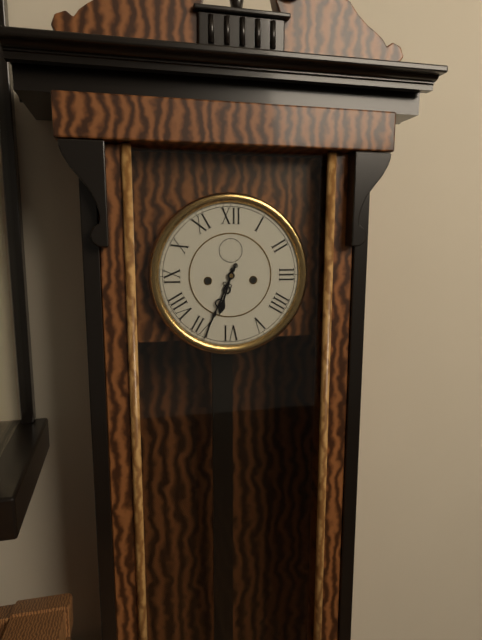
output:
6.34
